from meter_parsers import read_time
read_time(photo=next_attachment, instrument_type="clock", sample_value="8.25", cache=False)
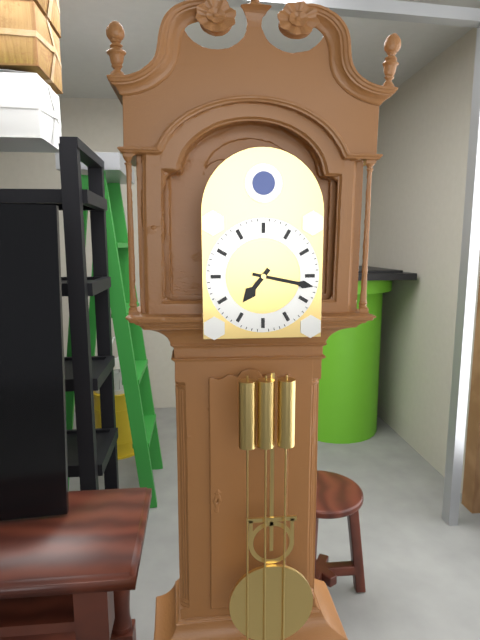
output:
7.17
